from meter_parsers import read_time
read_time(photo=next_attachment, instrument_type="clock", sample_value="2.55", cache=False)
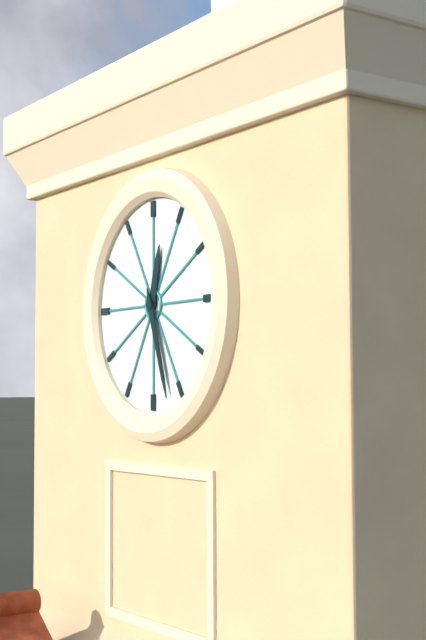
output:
12.27
